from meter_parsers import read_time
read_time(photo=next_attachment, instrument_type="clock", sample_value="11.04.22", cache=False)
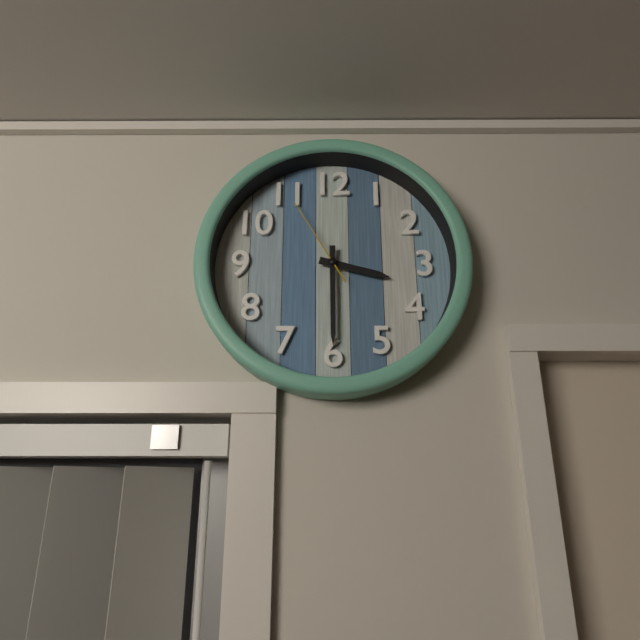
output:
3.30.55
